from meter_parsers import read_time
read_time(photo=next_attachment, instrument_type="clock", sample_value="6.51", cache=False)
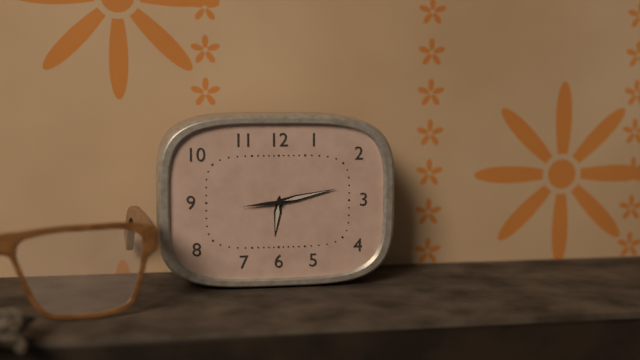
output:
6.13
